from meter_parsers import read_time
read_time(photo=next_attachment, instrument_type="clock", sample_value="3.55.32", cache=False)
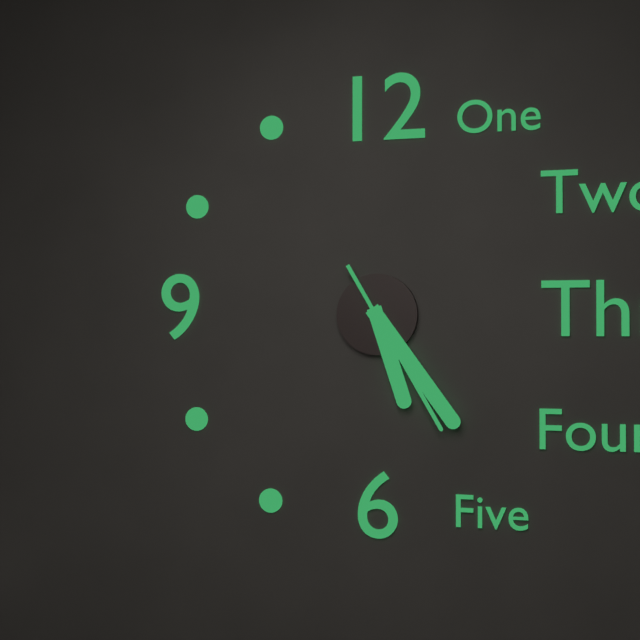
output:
5.24.25
